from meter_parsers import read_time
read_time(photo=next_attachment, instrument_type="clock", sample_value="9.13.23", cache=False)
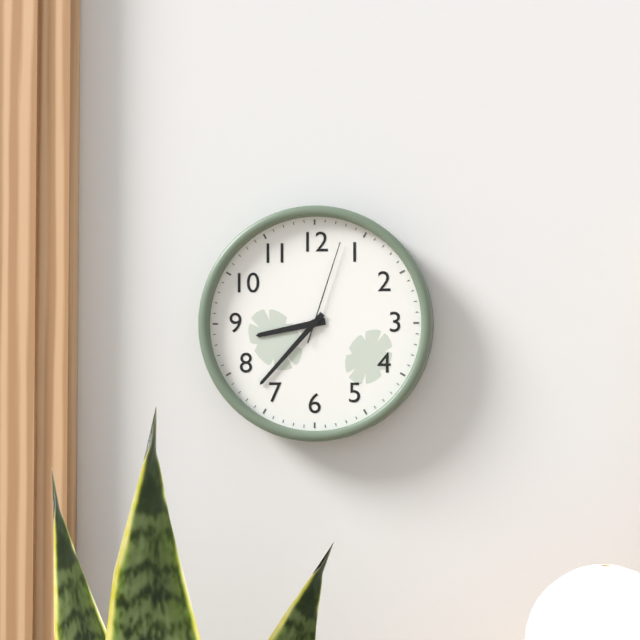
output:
8.37.03
